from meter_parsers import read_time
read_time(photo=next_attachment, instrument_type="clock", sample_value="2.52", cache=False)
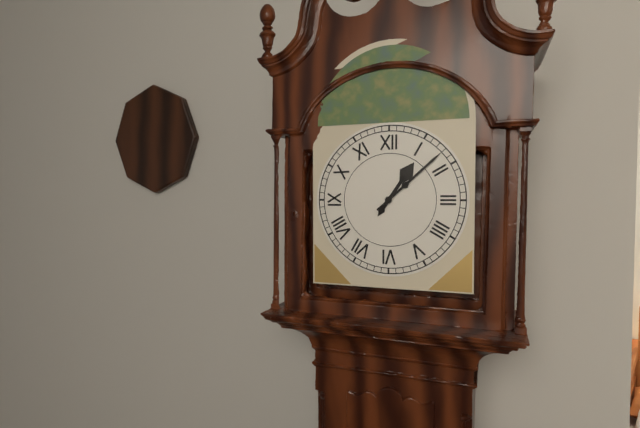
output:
1.08
